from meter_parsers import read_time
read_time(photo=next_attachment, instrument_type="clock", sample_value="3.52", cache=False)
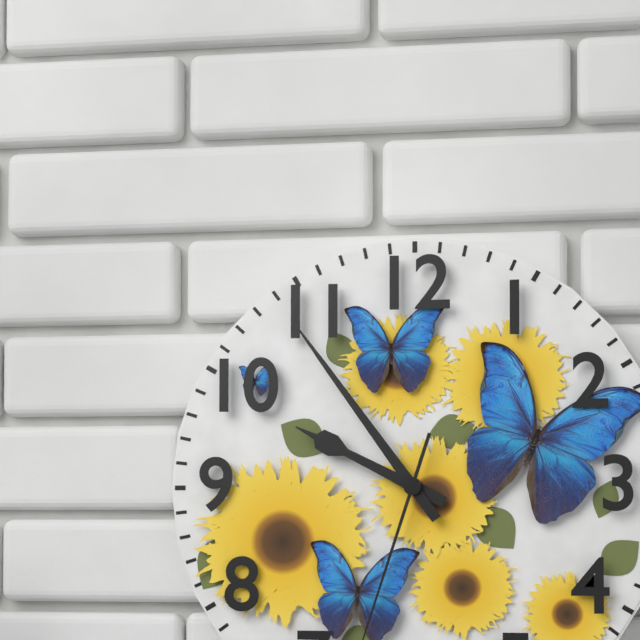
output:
9.54
